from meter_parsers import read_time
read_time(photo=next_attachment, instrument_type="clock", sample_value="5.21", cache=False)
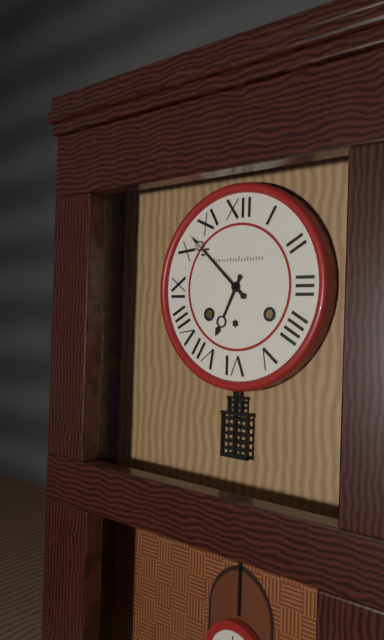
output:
6.52
